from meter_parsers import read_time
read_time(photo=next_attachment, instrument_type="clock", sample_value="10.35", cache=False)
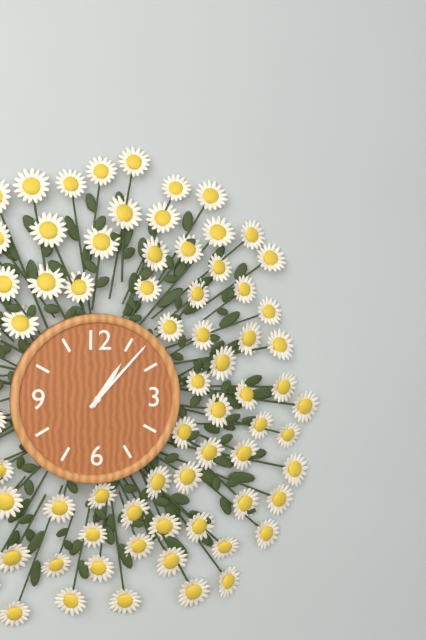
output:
1.07
